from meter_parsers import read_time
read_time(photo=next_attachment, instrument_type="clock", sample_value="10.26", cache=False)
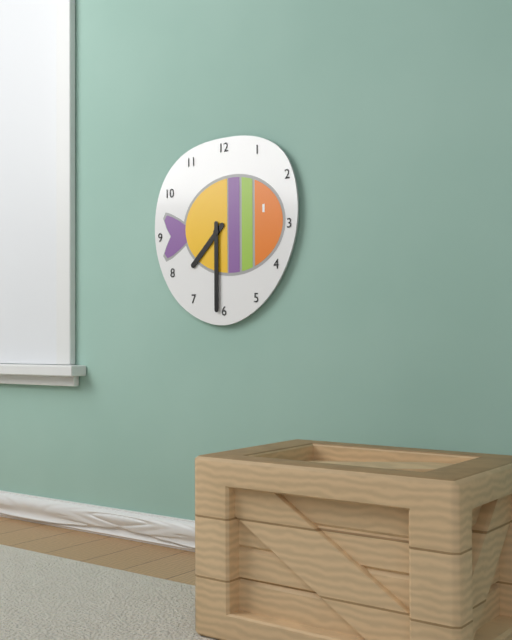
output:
7.30
